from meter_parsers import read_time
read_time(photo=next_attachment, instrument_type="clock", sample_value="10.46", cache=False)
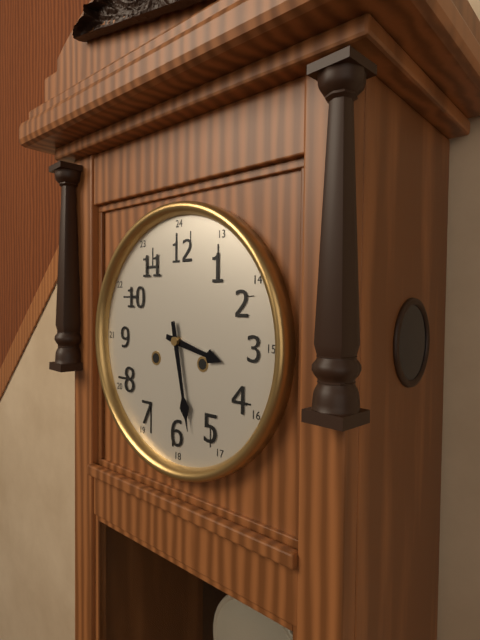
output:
3.28
